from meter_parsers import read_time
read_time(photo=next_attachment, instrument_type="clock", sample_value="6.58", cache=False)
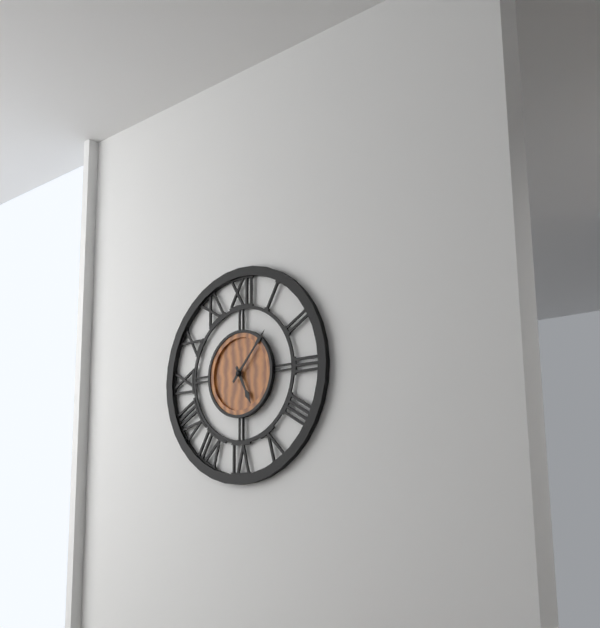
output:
5.07
